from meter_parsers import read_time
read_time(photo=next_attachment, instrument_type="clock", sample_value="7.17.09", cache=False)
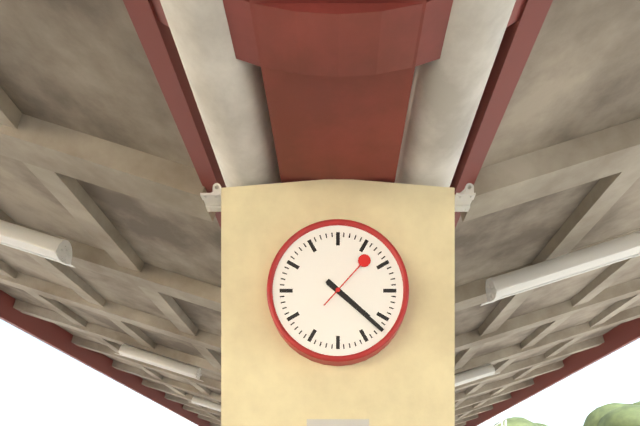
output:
4.22.07
